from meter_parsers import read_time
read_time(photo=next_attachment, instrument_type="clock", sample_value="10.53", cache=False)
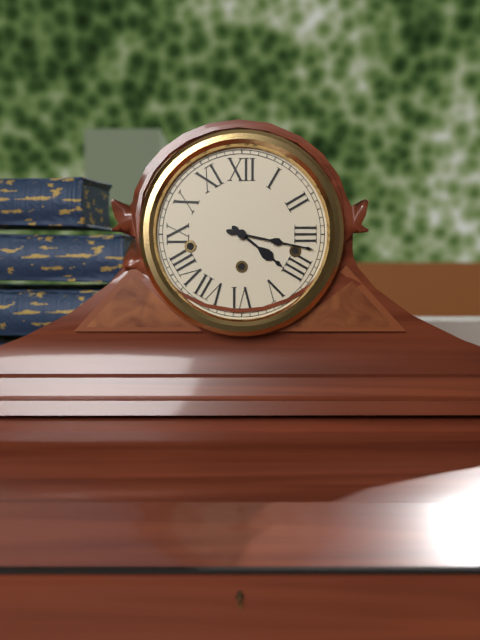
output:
4.17
